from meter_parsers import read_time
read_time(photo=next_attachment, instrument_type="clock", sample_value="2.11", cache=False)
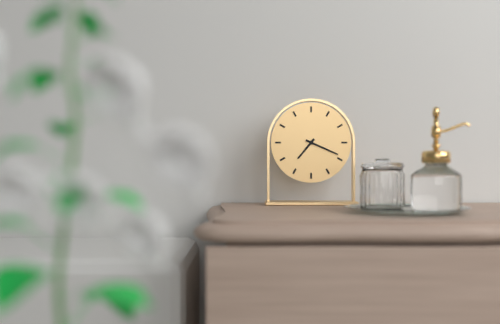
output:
7.19
